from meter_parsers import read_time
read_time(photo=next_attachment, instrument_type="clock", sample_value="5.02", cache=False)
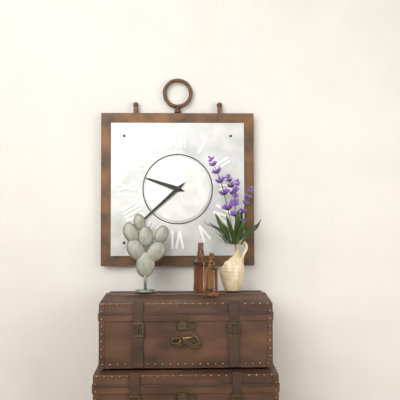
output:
9.38
